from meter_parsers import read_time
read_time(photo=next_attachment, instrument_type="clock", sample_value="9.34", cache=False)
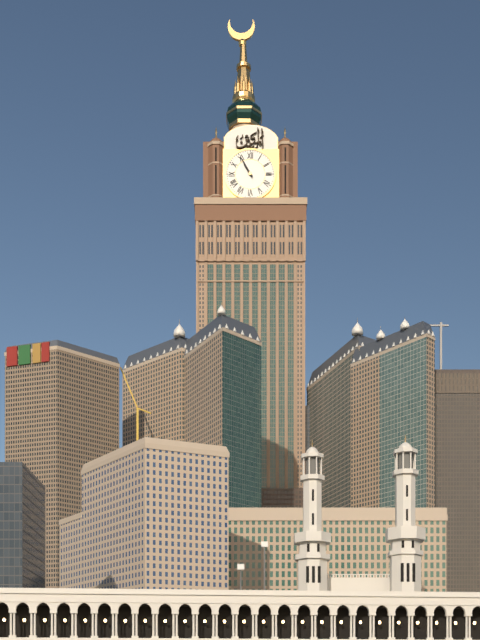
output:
10.55
